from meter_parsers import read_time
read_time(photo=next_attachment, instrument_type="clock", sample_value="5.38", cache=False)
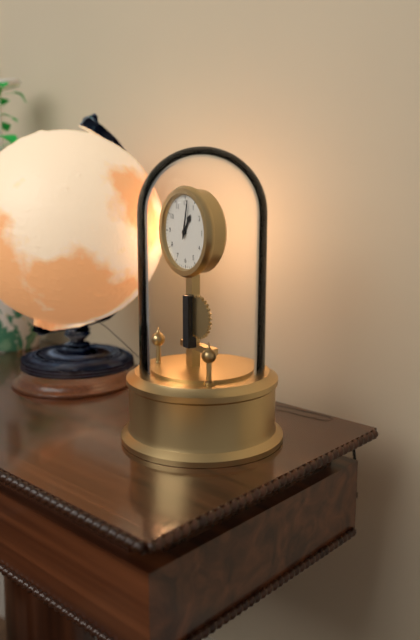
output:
1.02
